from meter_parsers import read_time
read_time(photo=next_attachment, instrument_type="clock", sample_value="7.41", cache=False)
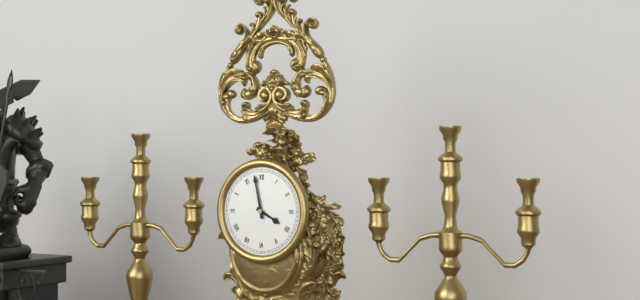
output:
3.58
